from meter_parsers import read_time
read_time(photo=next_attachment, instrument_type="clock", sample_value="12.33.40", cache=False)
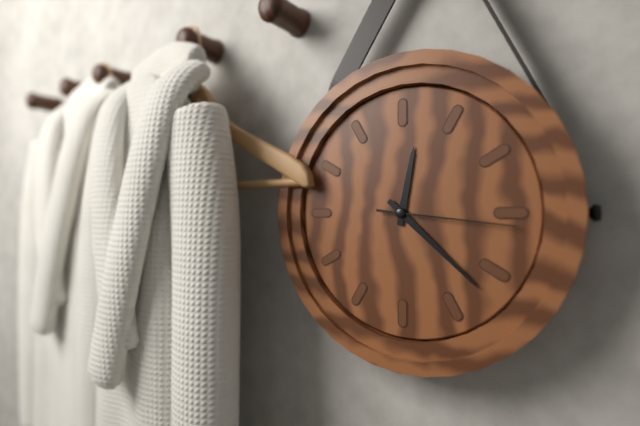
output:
12.22.16
